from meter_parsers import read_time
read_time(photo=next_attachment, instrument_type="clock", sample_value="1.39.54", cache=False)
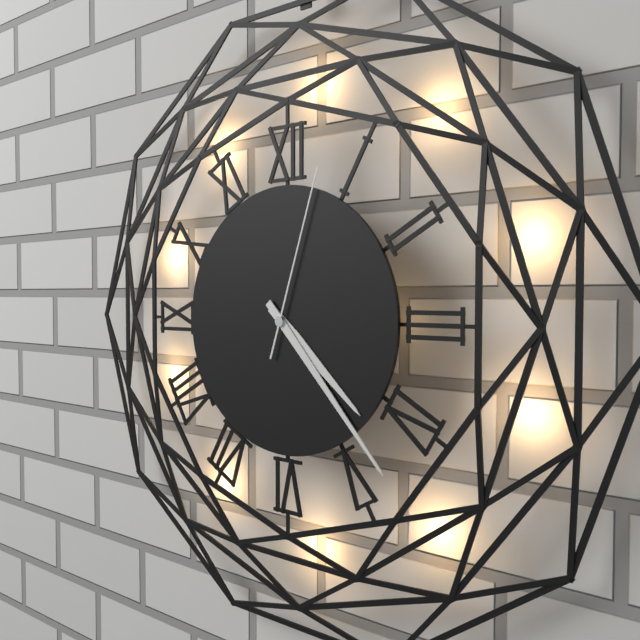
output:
4.23.03
